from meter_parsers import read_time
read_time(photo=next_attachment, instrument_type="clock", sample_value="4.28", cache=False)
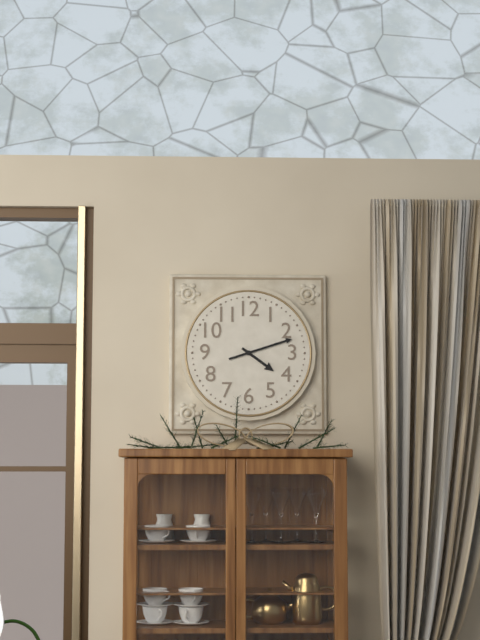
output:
4.12
